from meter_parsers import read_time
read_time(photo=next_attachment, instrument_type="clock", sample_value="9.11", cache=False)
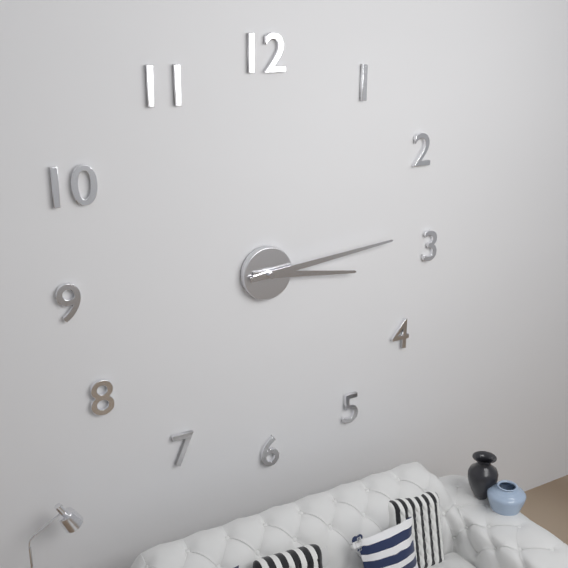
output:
3.14
